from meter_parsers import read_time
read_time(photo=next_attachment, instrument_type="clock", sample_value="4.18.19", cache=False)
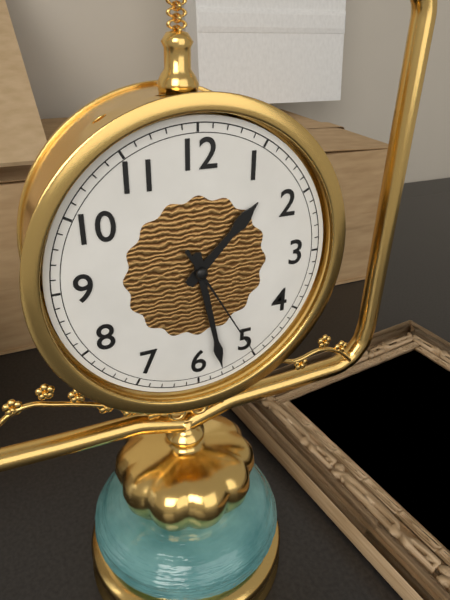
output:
1.28.25
